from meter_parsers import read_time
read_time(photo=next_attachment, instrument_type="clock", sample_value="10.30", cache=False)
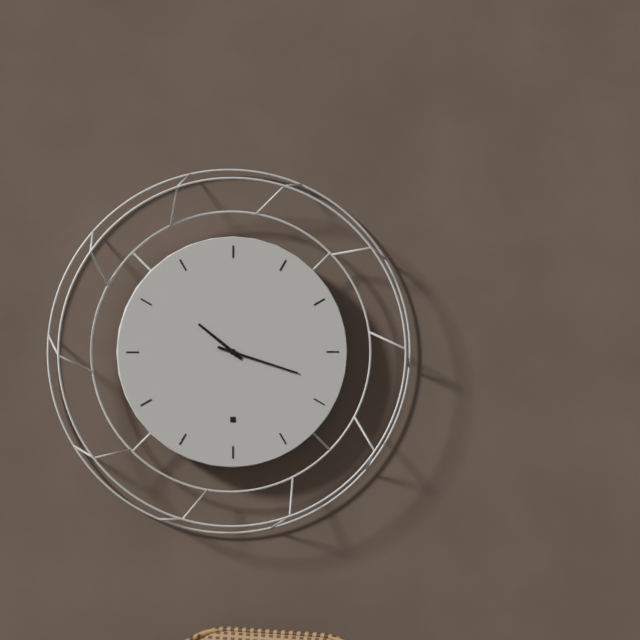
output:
10.18
